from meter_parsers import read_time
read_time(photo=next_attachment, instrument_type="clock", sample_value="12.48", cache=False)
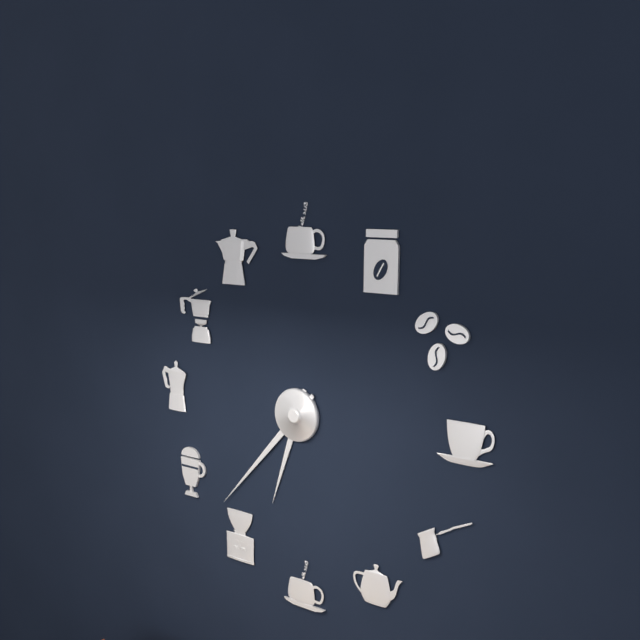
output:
6.37
